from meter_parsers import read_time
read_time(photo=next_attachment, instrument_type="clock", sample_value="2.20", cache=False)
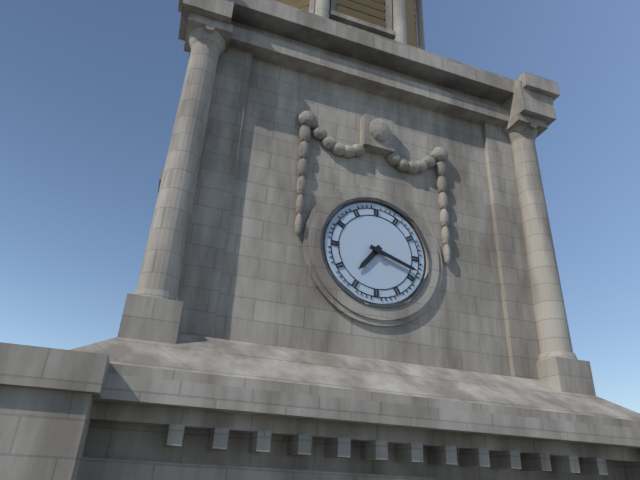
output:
7.18
